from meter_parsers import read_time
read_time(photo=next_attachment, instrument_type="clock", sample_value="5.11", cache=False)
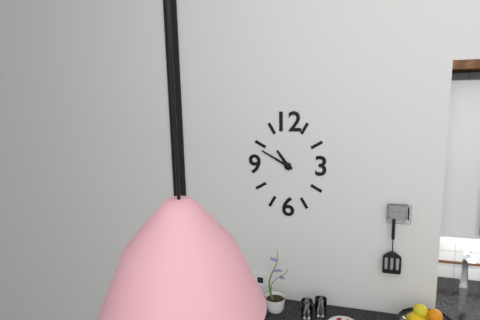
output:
10.50
